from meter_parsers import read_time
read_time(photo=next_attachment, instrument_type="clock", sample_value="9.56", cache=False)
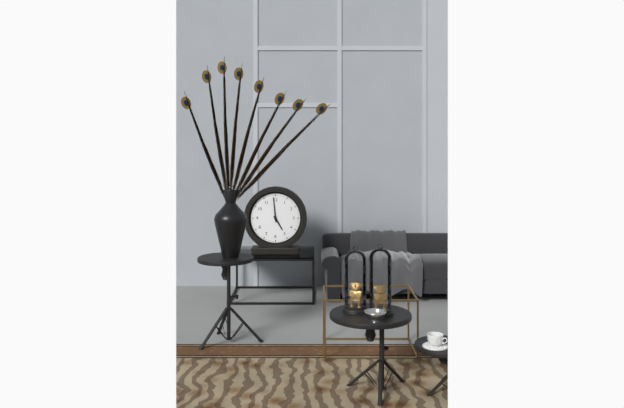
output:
4.59
